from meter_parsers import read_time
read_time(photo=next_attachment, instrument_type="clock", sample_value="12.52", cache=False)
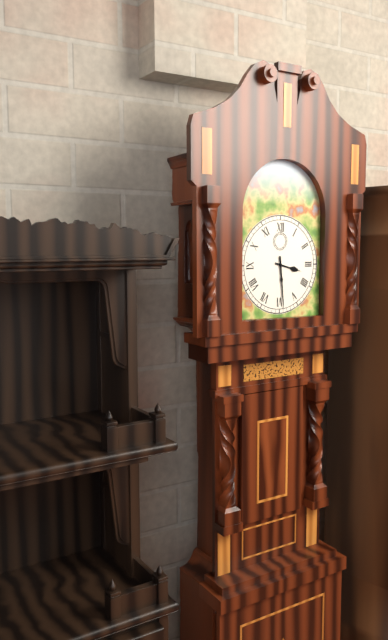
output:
3.29
